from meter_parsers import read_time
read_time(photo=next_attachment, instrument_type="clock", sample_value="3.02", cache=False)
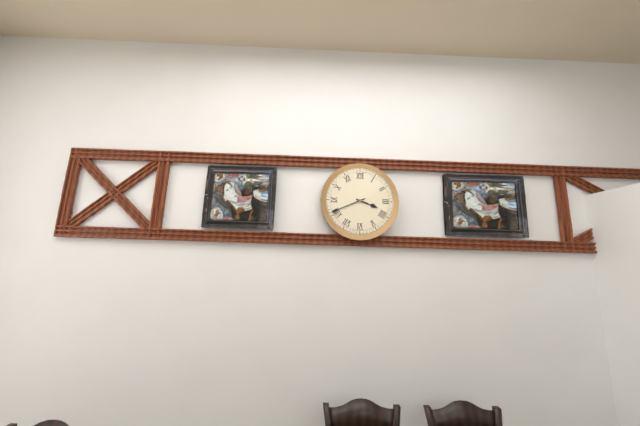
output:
3.41
